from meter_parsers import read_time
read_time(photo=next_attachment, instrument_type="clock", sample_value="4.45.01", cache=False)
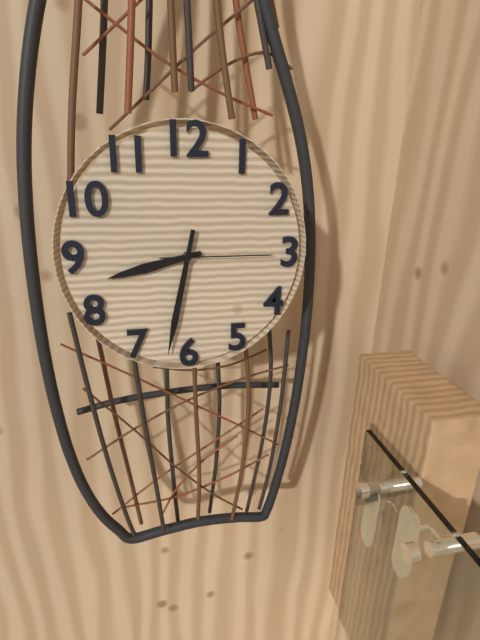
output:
8.32.15
